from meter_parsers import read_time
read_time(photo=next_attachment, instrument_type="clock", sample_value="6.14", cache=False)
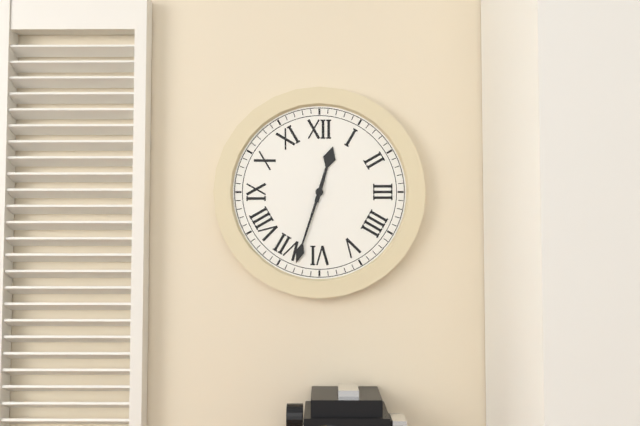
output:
12.33
